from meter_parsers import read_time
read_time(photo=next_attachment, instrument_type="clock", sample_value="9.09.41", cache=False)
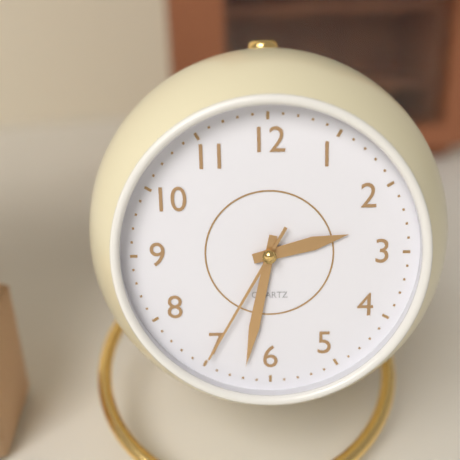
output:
2.32.35
